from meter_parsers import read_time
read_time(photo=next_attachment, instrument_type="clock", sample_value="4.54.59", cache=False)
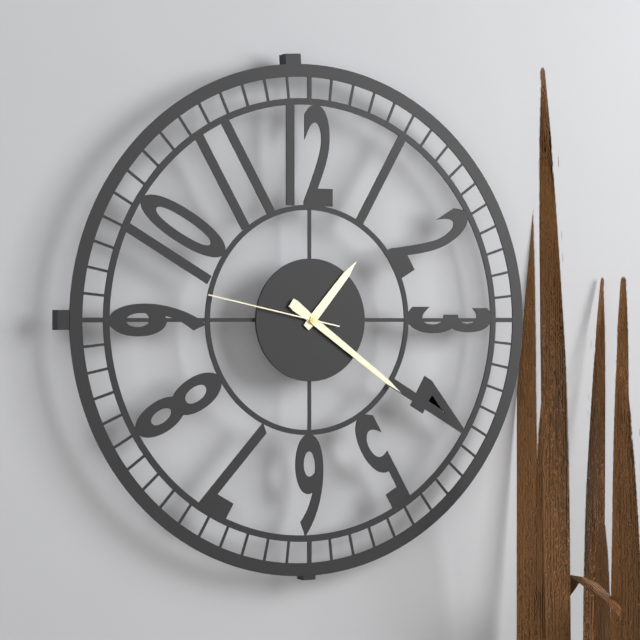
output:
1.21.47
